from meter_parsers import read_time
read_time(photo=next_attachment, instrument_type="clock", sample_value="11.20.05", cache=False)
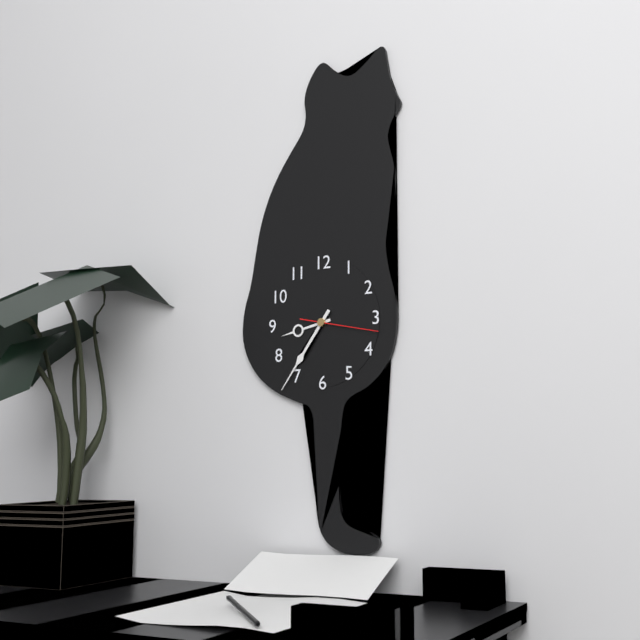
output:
8.36.17
